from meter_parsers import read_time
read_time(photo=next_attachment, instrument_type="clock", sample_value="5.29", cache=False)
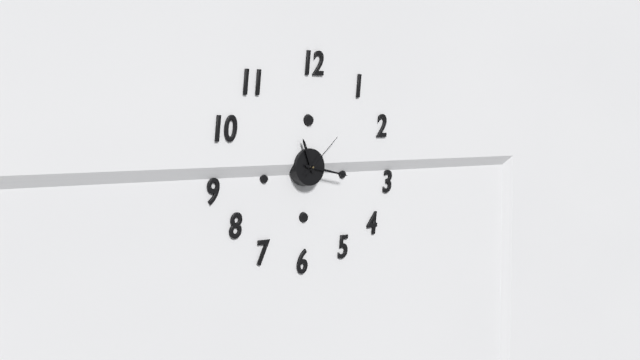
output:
11.17
